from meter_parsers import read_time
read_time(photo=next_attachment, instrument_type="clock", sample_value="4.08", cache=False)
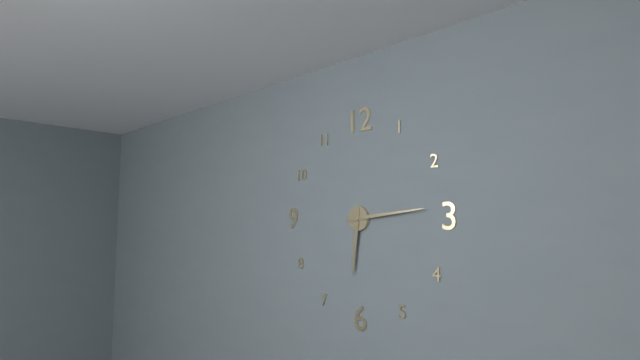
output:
6.14
